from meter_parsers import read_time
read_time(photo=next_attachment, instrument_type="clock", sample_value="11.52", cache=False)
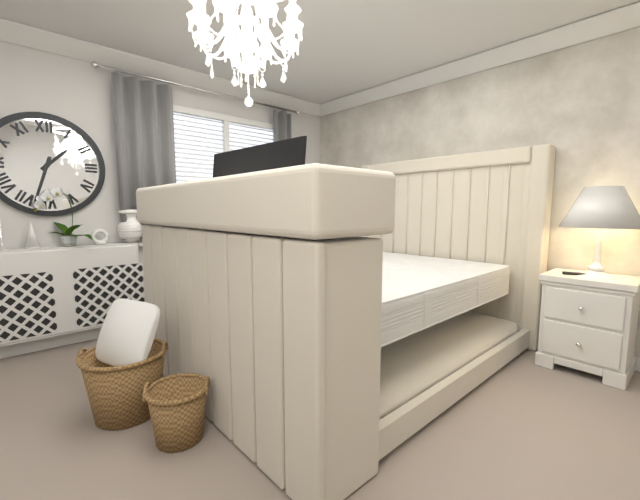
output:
1.33
